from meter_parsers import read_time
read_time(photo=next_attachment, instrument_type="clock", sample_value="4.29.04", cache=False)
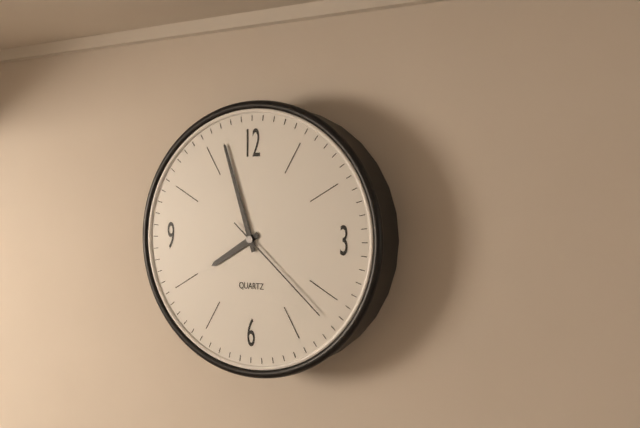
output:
7.57.22
